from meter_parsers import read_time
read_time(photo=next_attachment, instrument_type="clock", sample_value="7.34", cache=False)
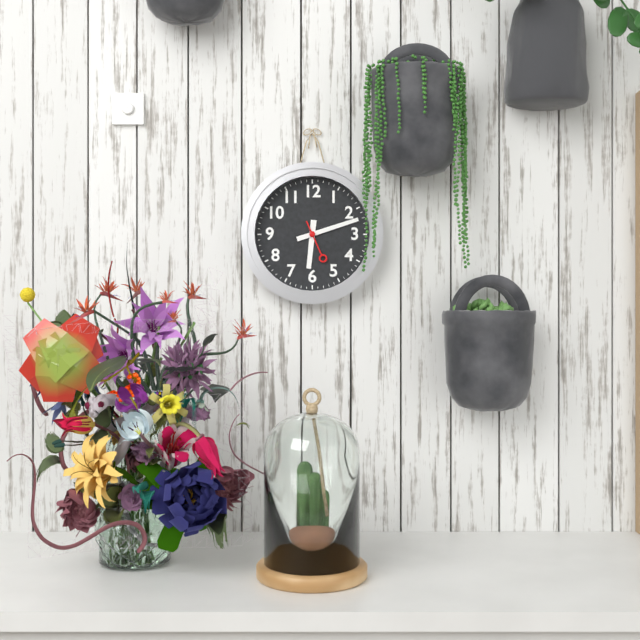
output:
6.12
